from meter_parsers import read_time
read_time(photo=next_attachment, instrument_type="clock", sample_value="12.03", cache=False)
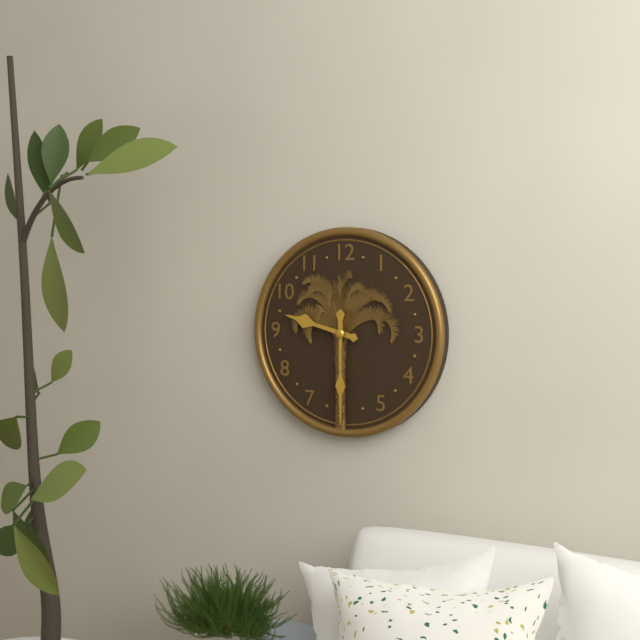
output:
9.30
